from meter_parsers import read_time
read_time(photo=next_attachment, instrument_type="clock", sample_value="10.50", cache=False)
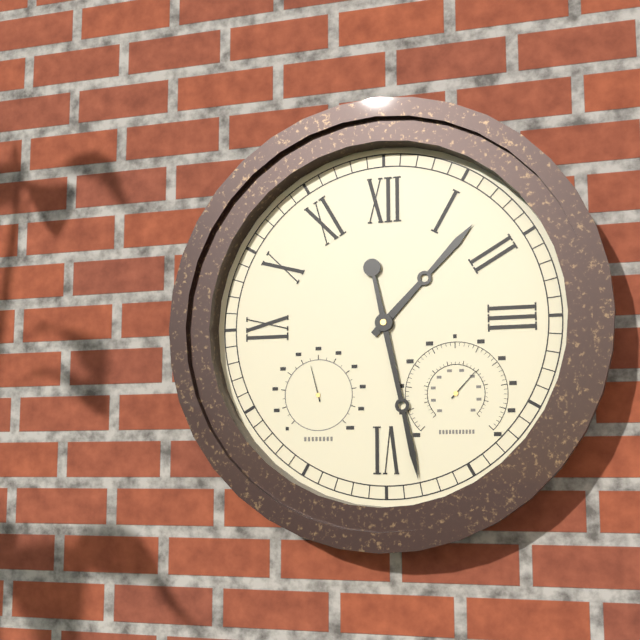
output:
1.28
